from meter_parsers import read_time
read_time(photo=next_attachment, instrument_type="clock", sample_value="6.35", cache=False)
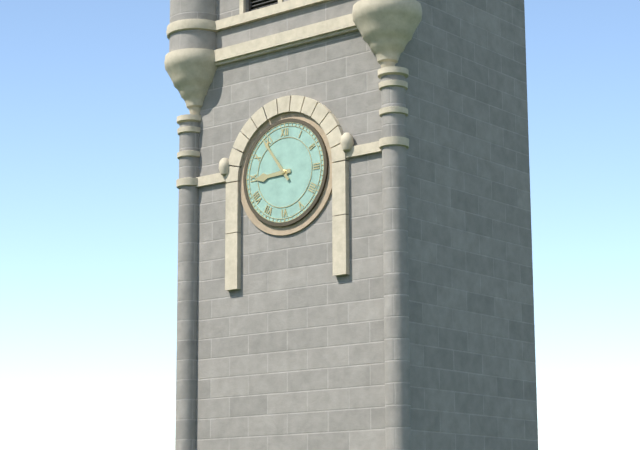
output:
8.54
